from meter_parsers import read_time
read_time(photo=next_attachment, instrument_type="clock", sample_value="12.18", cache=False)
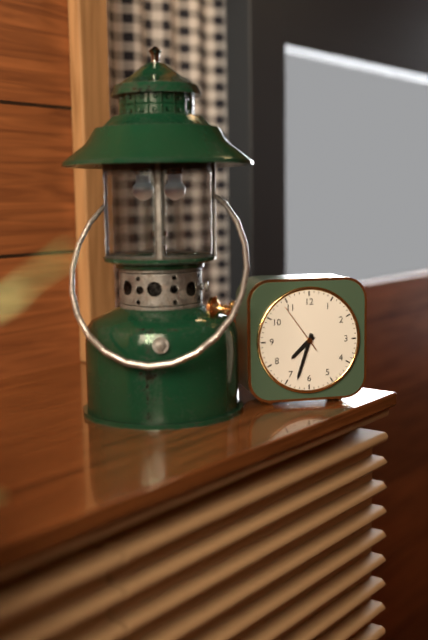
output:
7.33
